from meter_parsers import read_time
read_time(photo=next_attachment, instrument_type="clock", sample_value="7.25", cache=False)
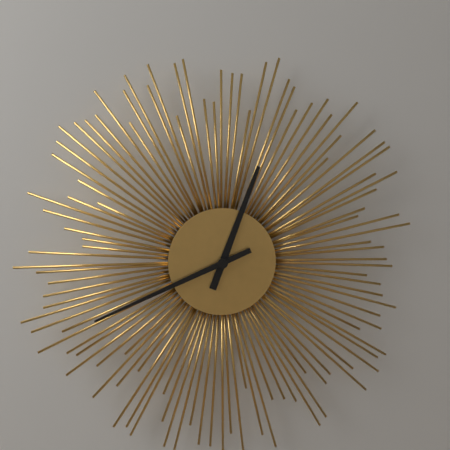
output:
12.41
